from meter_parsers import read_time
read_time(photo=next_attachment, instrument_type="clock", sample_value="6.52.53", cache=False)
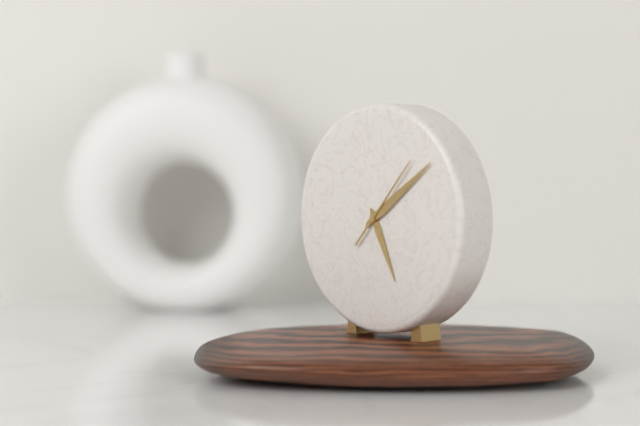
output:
5.09.07
